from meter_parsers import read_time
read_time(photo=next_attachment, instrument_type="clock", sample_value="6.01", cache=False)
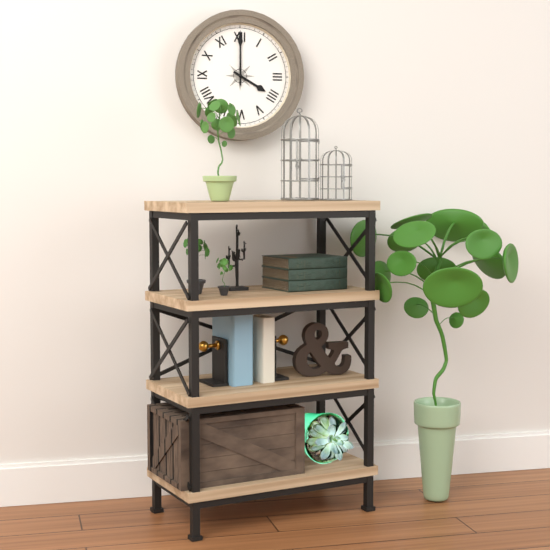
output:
4.00
